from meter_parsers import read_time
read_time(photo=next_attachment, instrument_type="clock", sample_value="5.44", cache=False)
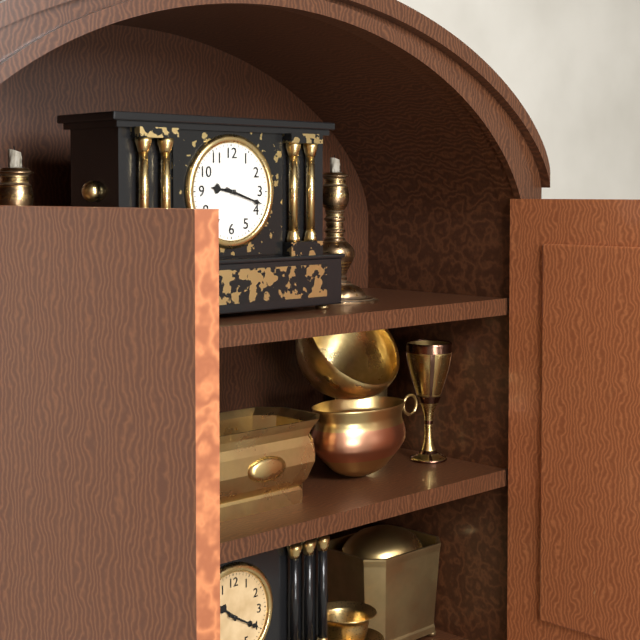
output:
9.18
